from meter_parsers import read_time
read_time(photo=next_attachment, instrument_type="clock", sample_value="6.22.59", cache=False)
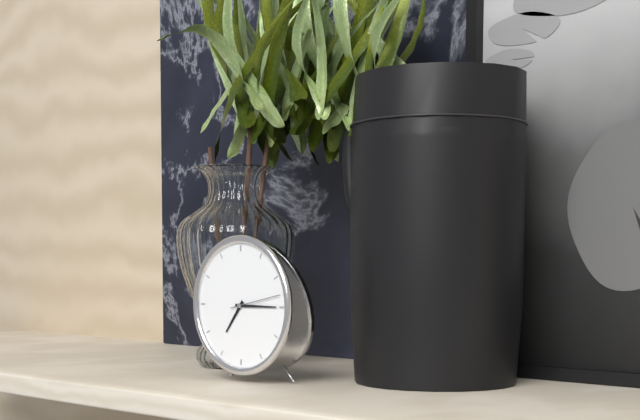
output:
7.15.13
